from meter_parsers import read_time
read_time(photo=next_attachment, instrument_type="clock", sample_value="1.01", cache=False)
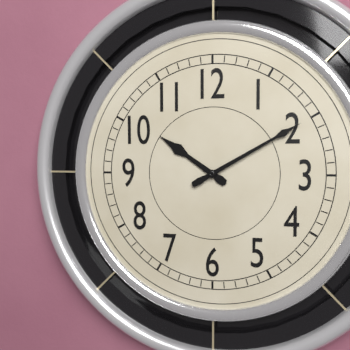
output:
10.10
